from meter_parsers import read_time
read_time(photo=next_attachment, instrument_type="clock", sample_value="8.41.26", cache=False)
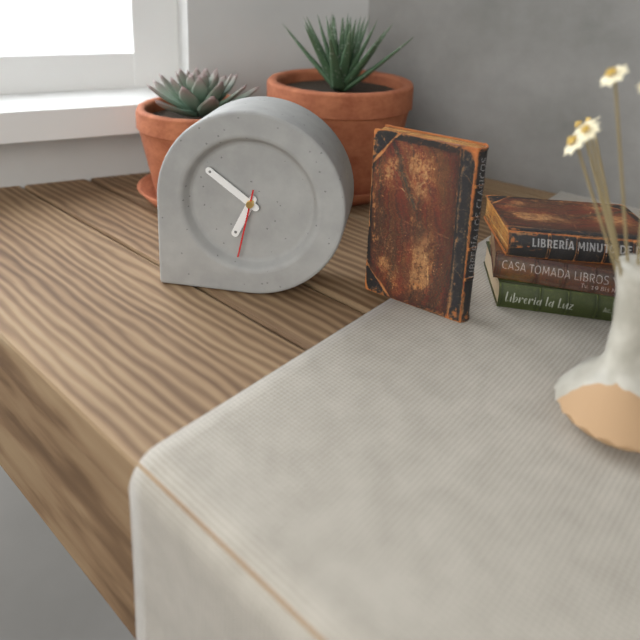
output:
6.51.32
